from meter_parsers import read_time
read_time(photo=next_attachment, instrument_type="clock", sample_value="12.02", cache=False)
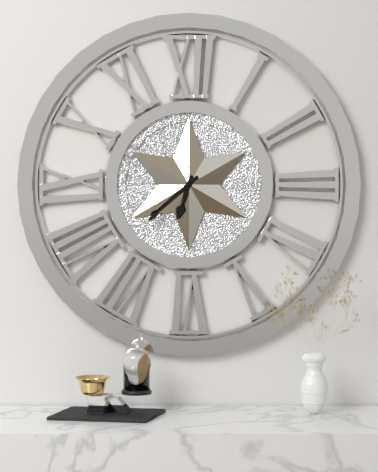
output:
6.38
